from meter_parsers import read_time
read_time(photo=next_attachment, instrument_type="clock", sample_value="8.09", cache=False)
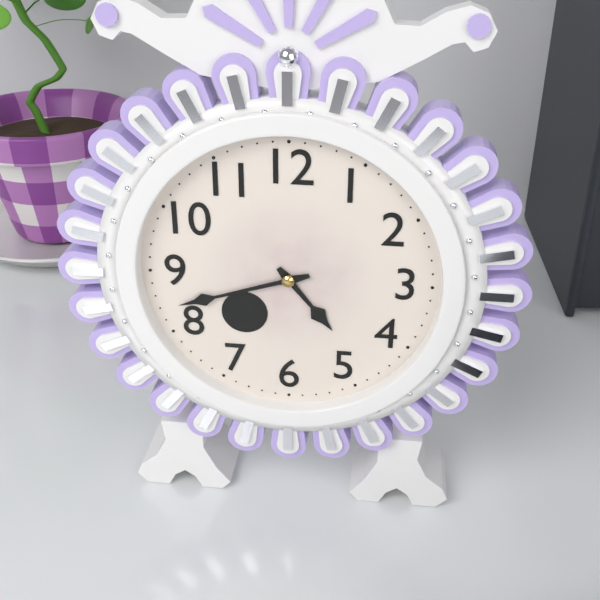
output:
4.42
